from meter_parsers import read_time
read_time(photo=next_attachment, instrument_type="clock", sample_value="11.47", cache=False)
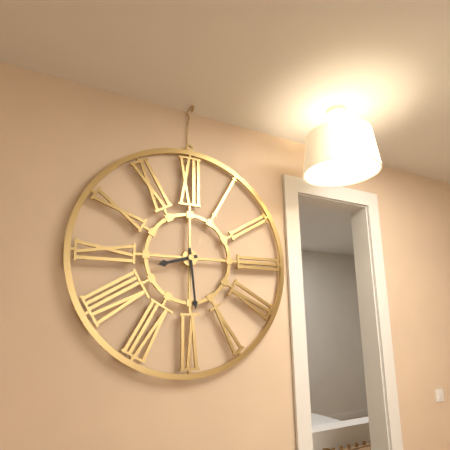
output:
8.29
